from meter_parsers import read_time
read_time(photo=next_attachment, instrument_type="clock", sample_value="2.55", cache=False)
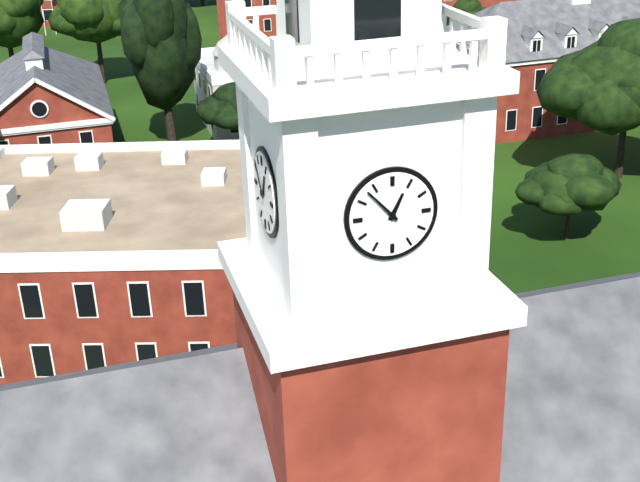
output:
12.53
